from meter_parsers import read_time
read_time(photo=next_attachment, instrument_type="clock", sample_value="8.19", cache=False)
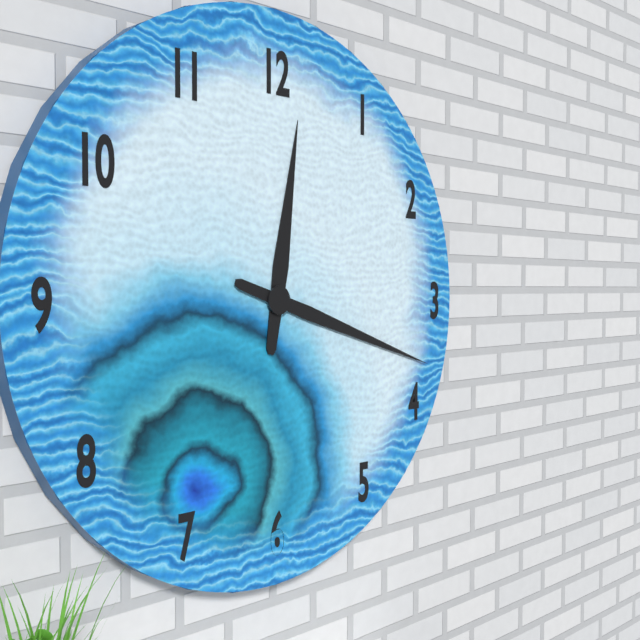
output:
12.18
